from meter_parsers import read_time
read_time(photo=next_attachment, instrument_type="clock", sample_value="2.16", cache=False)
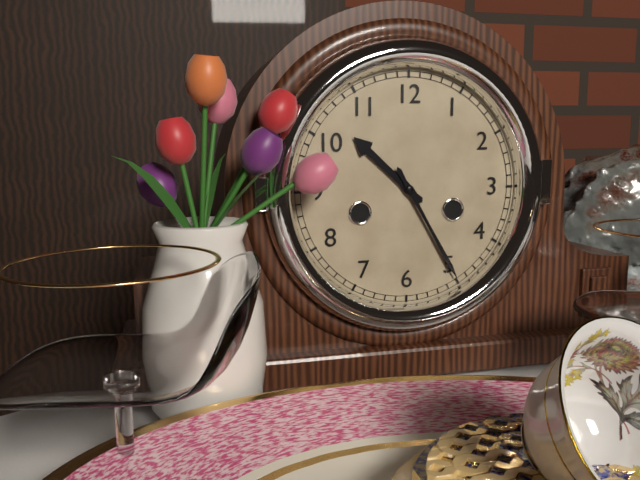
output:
10.25
